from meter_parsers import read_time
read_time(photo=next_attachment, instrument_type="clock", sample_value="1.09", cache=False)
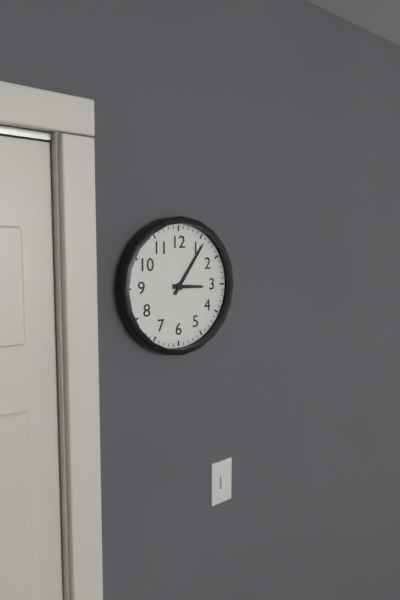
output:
3.06
